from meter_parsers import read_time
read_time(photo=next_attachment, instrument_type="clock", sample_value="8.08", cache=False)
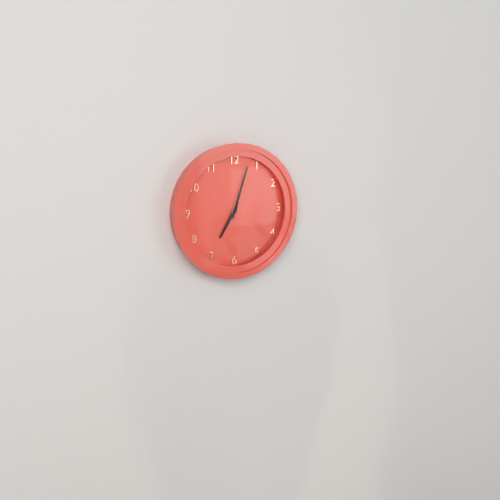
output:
7.03
